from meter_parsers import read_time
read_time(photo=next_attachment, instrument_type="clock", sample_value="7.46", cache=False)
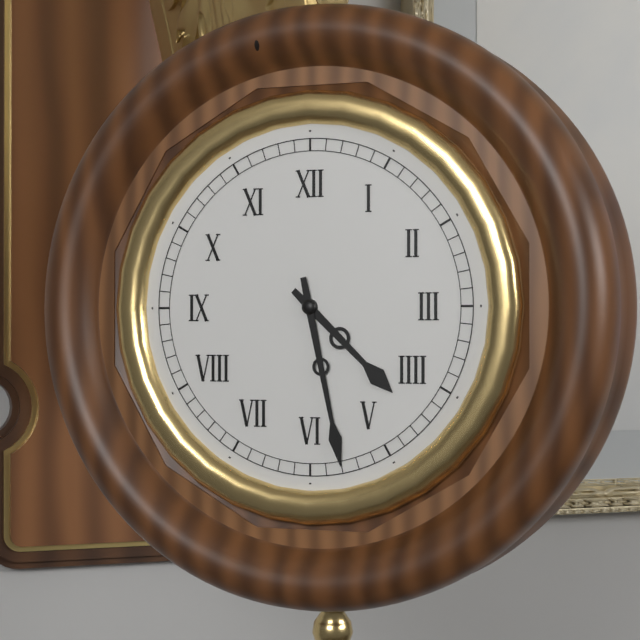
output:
4.28
